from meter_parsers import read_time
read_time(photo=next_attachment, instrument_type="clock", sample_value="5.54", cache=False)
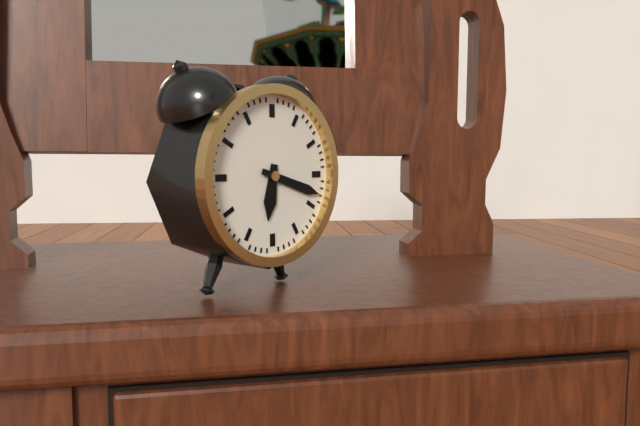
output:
6.18
